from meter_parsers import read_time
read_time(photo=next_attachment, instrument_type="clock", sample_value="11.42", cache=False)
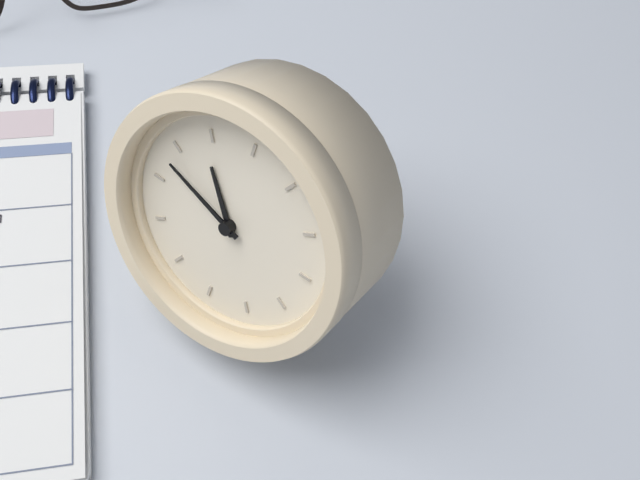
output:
10.48
